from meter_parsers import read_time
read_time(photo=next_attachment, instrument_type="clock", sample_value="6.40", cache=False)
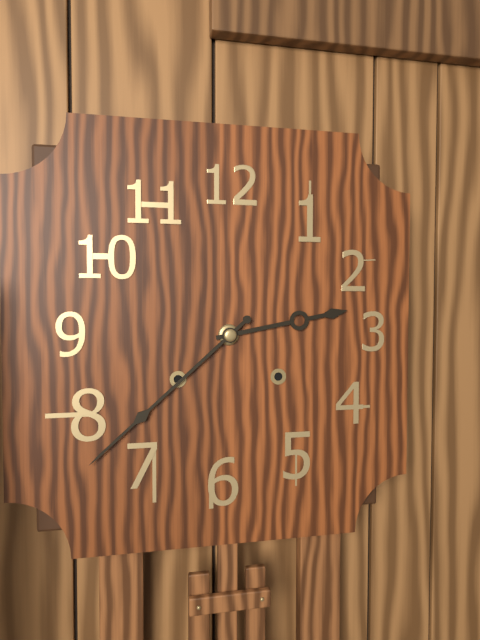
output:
2.38
